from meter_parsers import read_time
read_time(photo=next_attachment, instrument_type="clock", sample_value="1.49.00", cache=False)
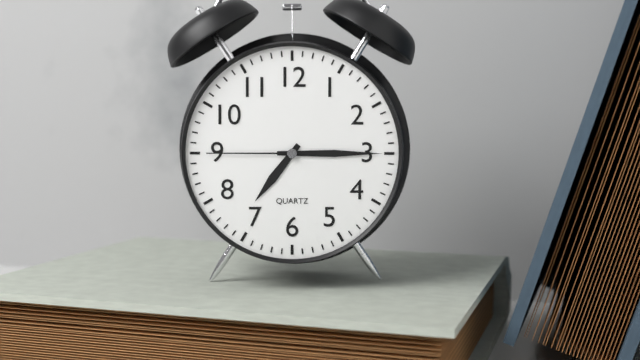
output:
7.15.45
